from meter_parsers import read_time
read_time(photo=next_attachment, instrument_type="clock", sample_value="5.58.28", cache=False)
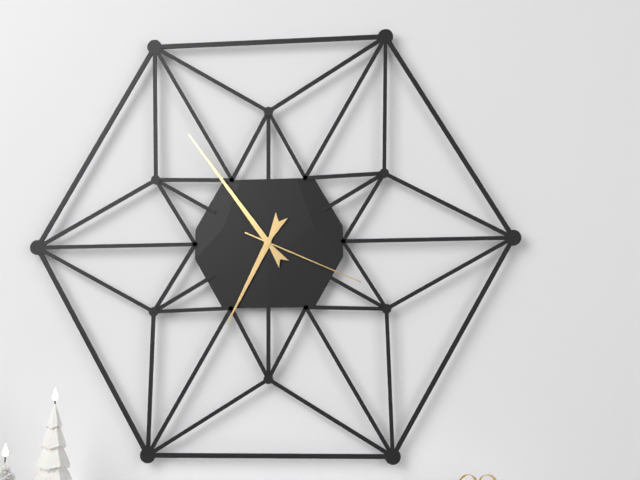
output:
6.54.19
